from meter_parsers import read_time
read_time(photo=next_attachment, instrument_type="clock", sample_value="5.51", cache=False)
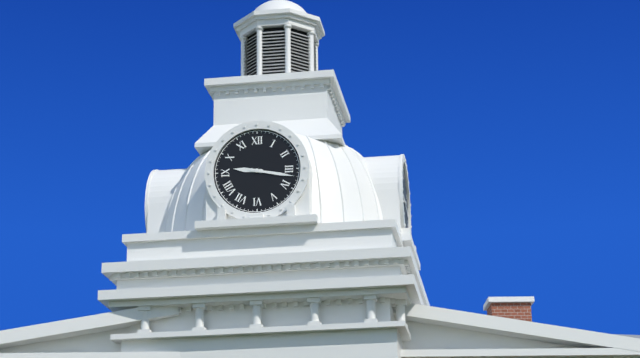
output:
9.17
